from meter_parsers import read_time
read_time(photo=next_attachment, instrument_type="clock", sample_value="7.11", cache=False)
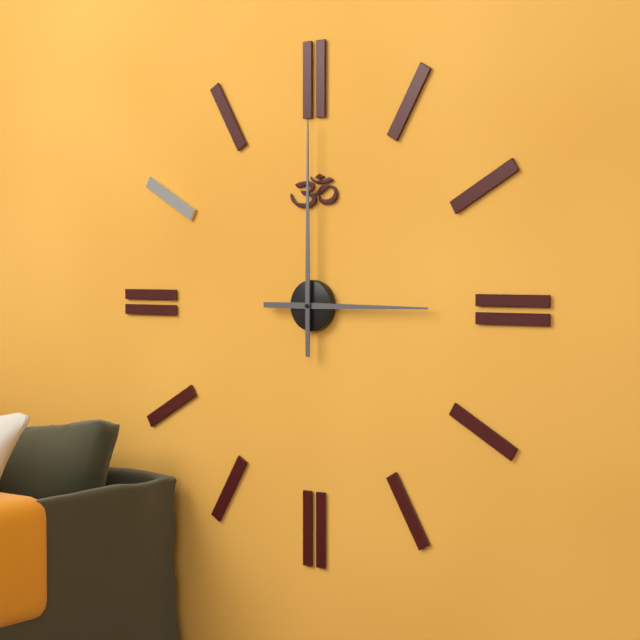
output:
3.00
